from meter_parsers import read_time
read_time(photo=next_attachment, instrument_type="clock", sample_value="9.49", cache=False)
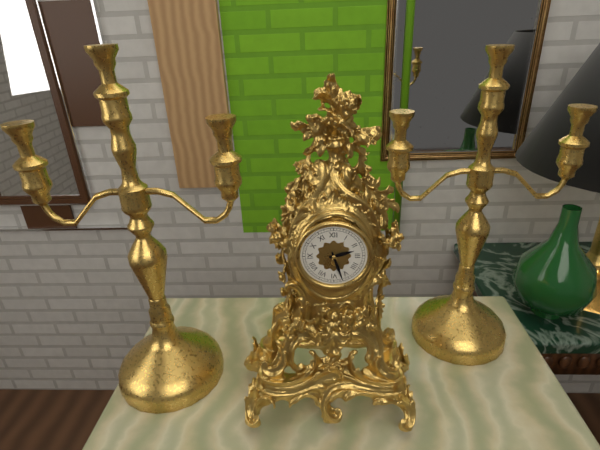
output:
2.27
